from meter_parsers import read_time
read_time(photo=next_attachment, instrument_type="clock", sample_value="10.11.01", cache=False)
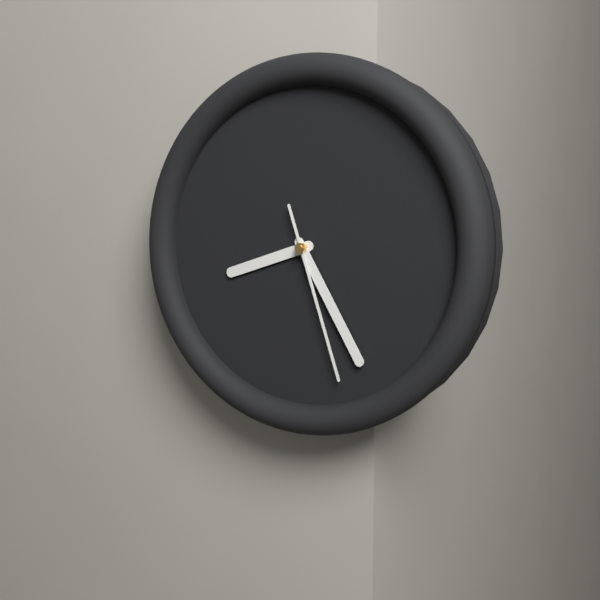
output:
8.25.27
